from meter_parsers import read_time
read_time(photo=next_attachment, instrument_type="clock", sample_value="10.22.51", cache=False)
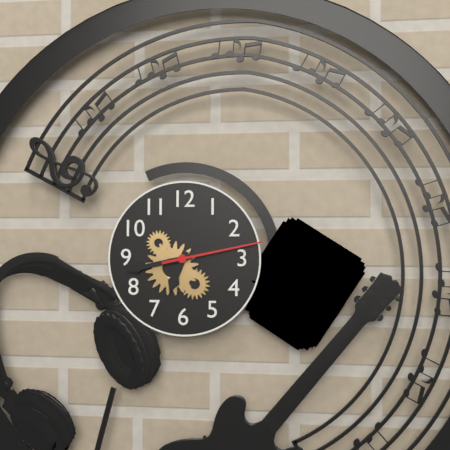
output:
6.43.13
